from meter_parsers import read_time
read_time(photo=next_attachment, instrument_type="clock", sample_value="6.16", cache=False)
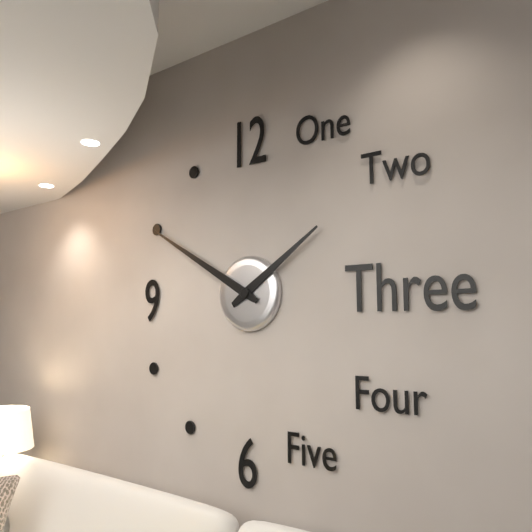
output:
1.50
